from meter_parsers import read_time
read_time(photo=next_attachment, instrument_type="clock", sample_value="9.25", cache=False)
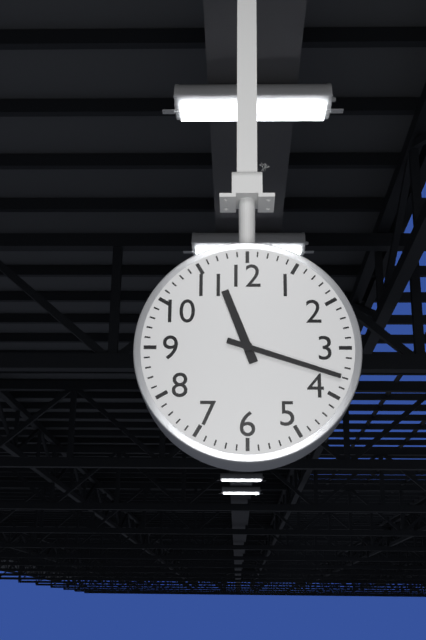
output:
11.18
